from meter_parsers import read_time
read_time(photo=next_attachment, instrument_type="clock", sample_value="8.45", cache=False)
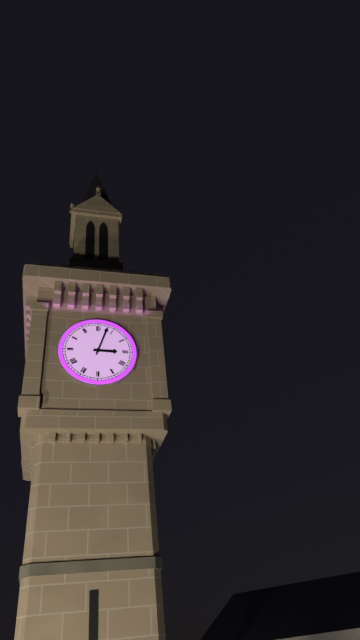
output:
3.03
